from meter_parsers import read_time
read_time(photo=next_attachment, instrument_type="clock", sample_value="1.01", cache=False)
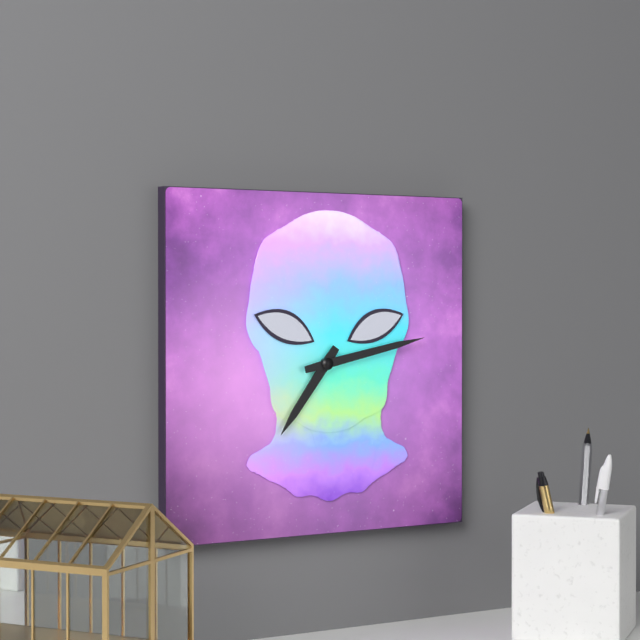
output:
7.13
